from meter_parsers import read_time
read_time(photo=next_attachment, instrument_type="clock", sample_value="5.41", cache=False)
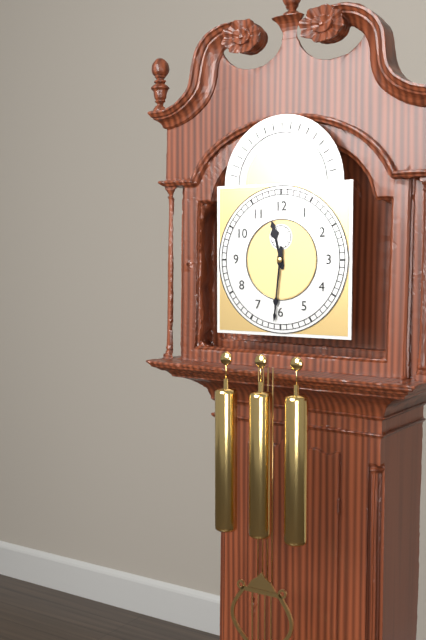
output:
11.31
